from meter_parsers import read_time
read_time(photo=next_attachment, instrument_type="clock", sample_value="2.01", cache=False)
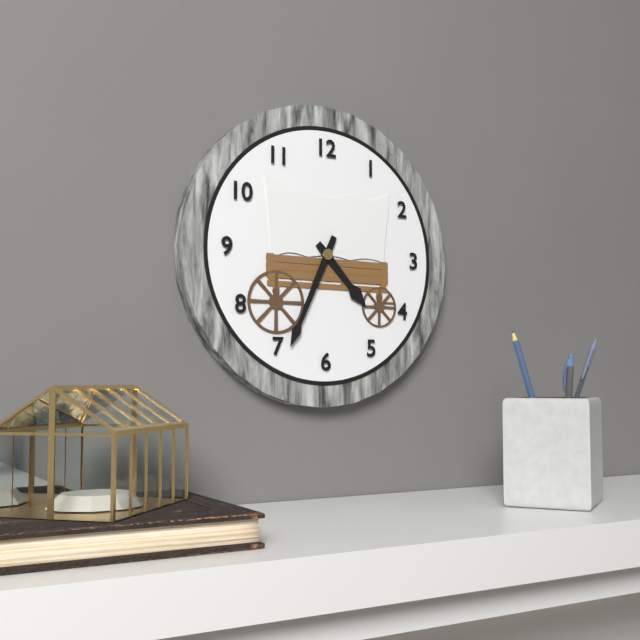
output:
4.34
